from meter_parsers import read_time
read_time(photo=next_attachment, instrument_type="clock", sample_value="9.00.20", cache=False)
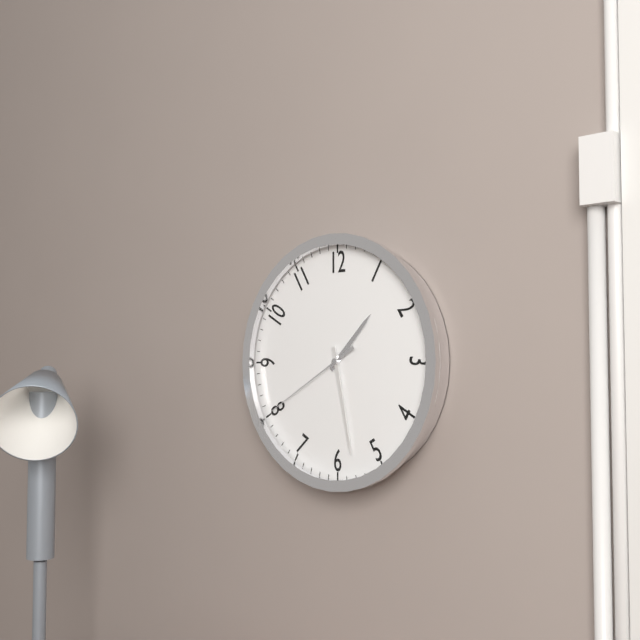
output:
1.28.40
